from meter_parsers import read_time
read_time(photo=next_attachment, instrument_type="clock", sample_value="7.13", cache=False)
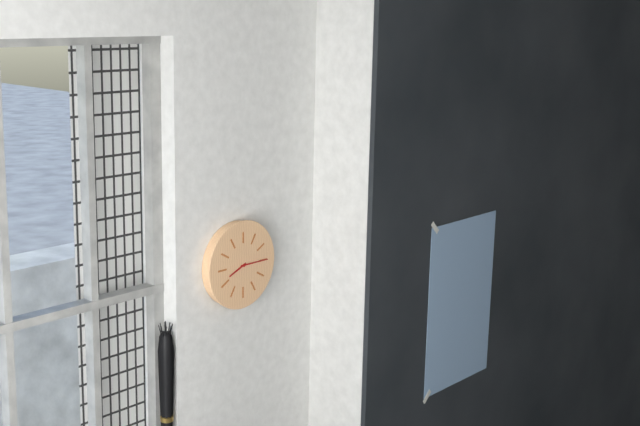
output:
8.15
